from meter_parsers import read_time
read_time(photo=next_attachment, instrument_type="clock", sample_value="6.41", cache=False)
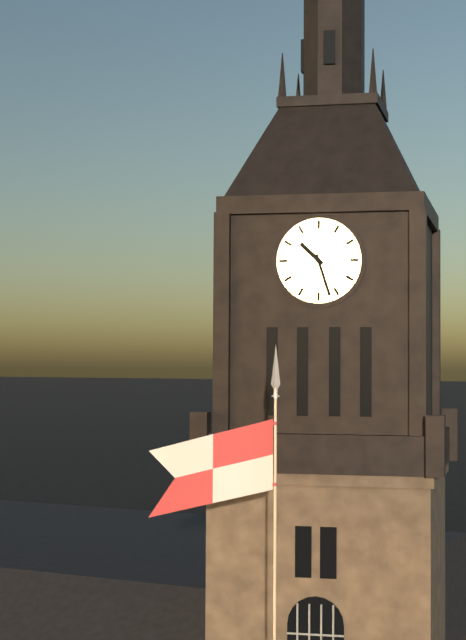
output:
10.27
